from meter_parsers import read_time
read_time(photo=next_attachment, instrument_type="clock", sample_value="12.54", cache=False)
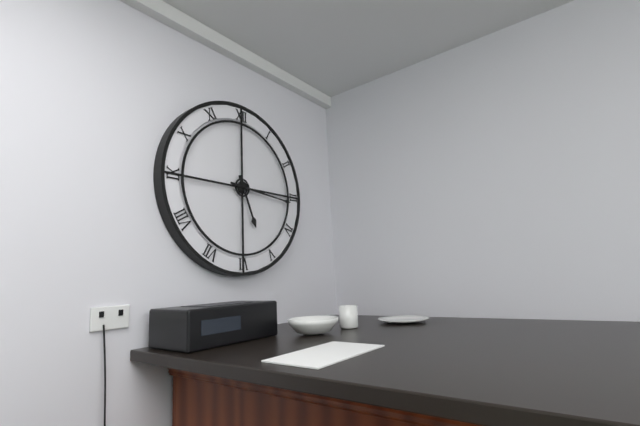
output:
5.16
